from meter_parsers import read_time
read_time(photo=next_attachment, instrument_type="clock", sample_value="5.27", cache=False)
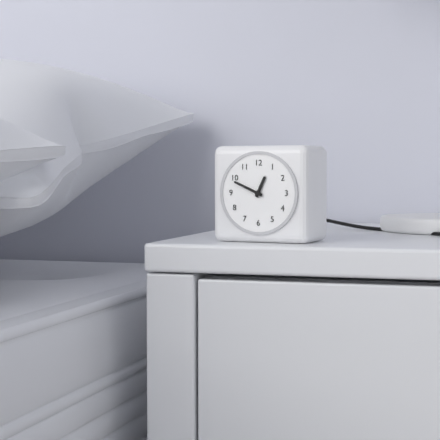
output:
12.49
